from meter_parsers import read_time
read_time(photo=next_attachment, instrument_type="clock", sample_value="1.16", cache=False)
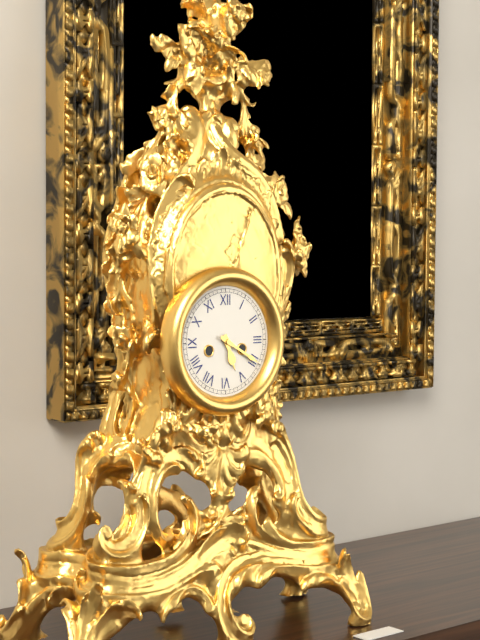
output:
5.20
